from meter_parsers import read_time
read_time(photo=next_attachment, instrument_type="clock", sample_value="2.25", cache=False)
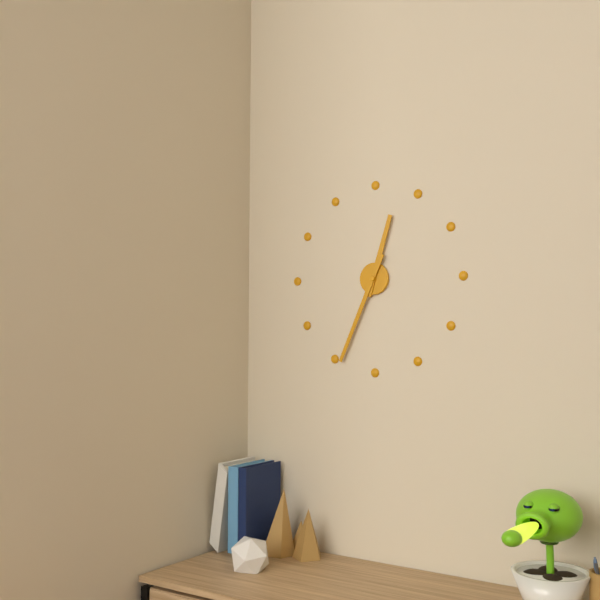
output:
12.34
